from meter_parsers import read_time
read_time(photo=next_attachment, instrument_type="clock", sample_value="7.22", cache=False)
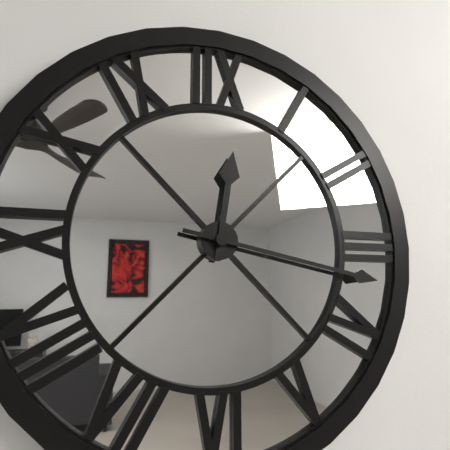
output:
12.17
